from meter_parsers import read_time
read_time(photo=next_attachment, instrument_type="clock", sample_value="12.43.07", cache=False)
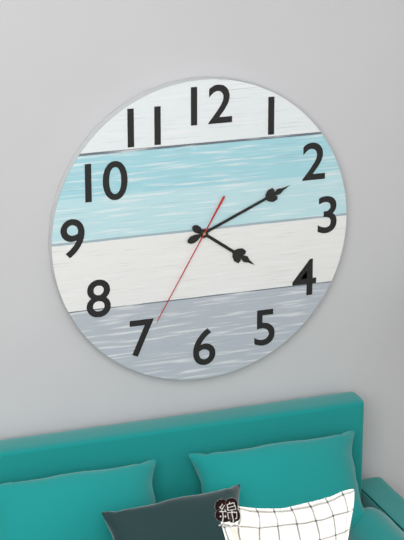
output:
4.11.35
